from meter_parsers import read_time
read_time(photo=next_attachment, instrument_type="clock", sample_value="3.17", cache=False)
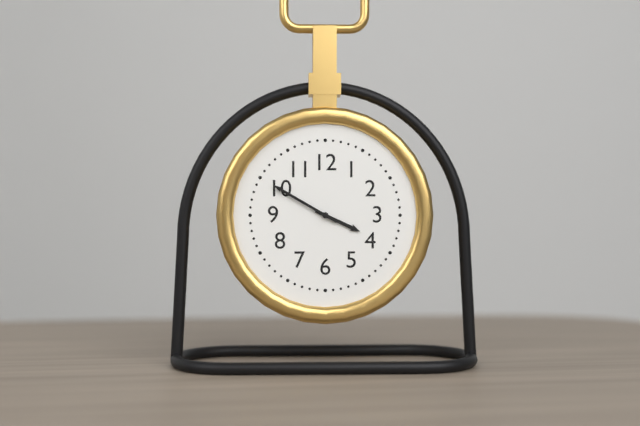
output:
3.50
